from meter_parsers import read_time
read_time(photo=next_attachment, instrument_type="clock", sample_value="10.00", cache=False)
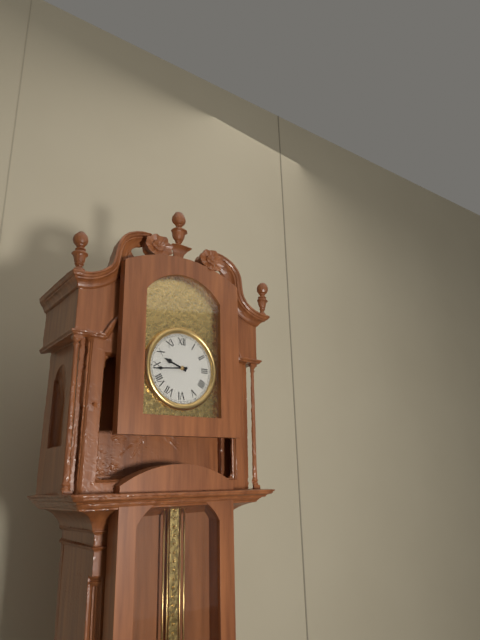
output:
9.44
